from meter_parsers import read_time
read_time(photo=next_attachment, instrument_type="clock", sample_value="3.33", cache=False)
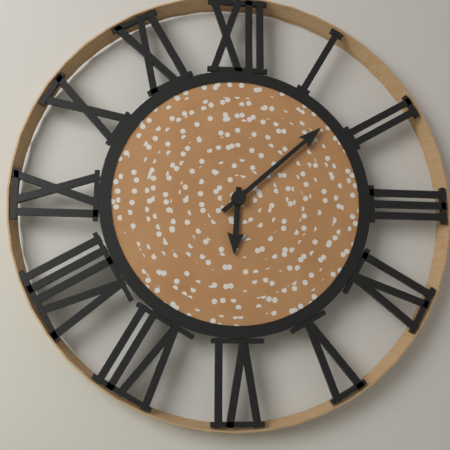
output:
6.08
